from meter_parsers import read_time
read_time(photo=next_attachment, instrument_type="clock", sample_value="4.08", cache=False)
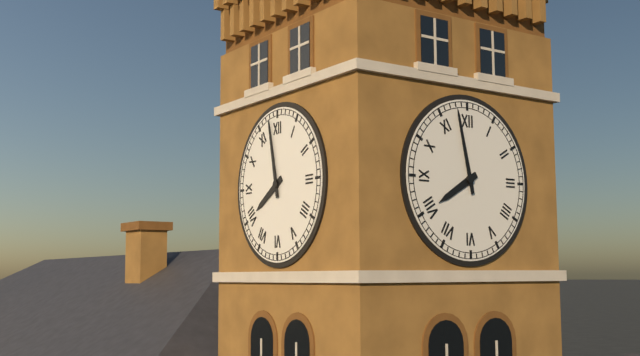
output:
7.58
